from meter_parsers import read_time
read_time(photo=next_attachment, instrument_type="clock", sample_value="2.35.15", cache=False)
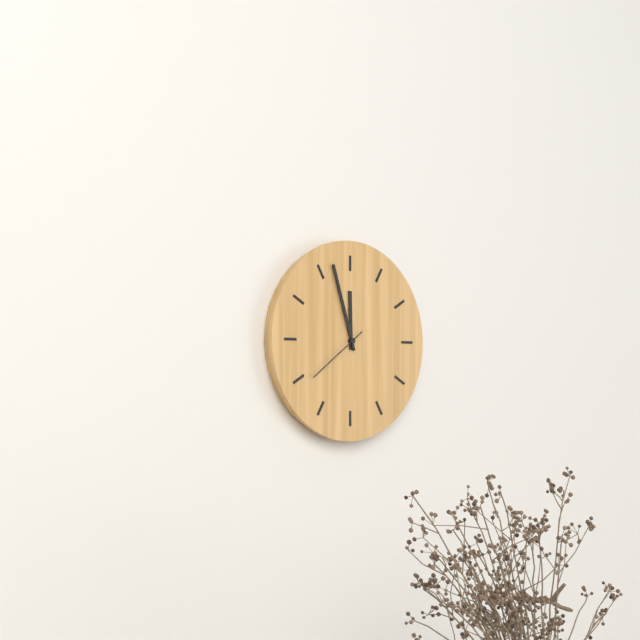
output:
11.57.39
